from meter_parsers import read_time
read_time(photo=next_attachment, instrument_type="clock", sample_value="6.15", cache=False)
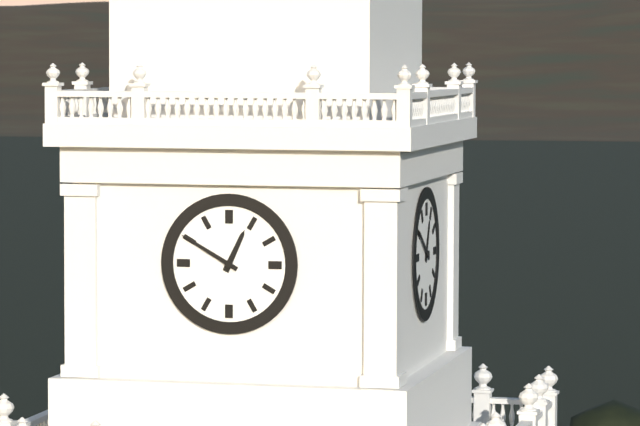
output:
12.50
